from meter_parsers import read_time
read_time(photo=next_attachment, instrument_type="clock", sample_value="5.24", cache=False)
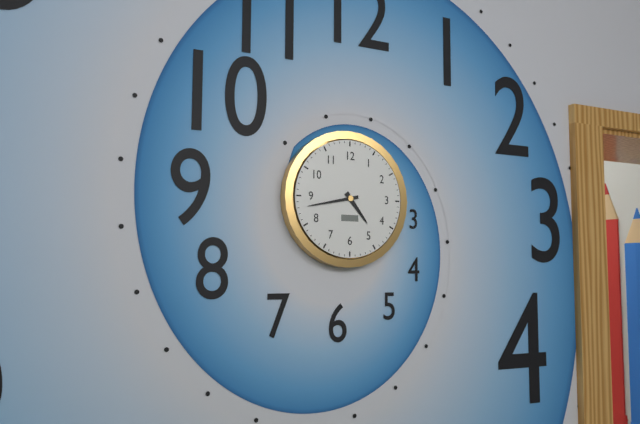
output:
4.43
